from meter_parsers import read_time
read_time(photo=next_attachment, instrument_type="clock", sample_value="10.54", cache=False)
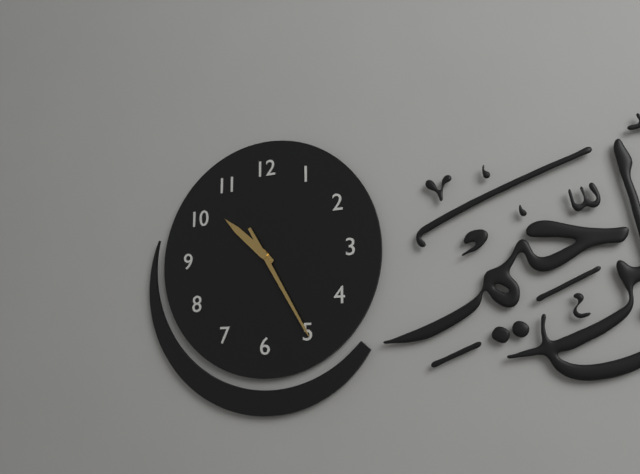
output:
10.25
